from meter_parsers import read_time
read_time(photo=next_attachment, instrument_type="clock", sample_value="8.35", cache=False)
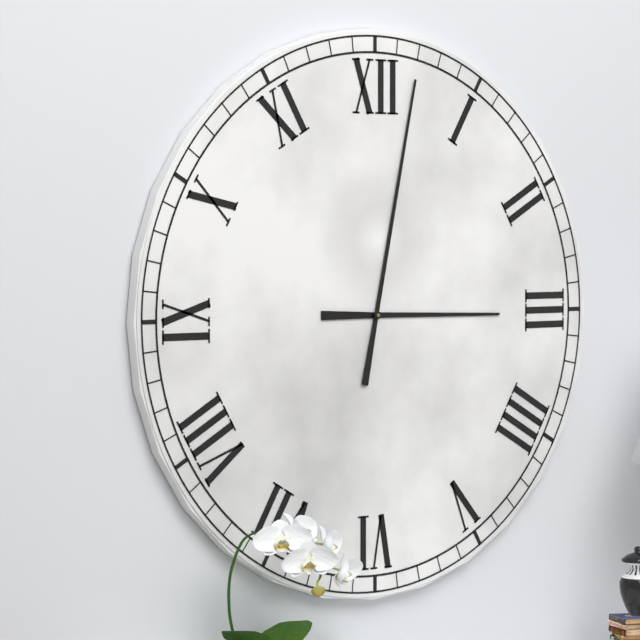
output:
3.02
